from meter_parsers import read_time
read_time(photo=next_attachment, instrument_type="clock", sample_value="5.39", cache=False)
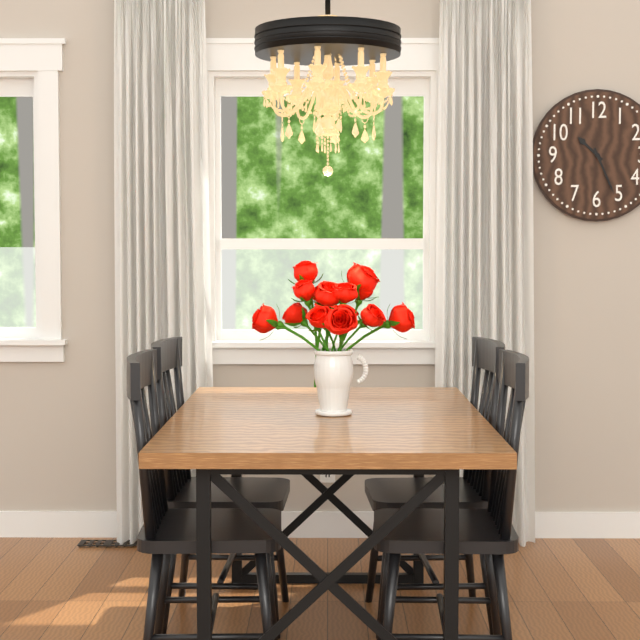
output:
10.26
